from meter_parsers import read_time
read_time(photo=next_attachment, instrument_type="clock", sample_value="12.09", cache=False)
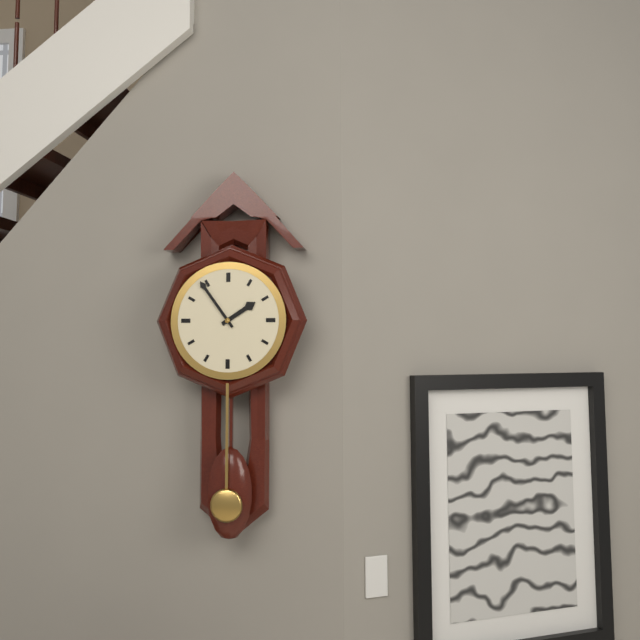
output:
1.54
